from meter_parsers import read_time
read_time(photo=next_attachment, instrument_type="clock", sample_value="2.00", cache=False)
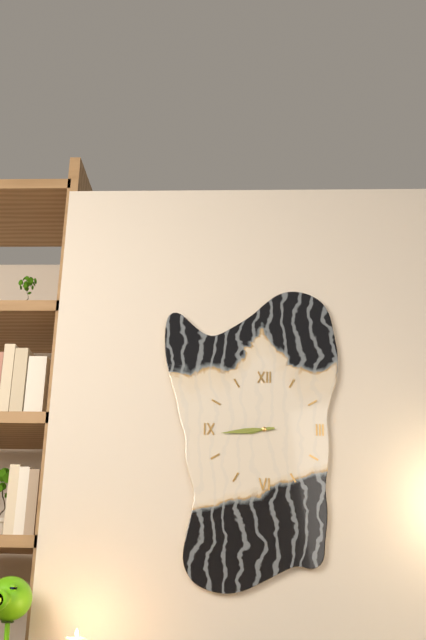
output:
8.44
